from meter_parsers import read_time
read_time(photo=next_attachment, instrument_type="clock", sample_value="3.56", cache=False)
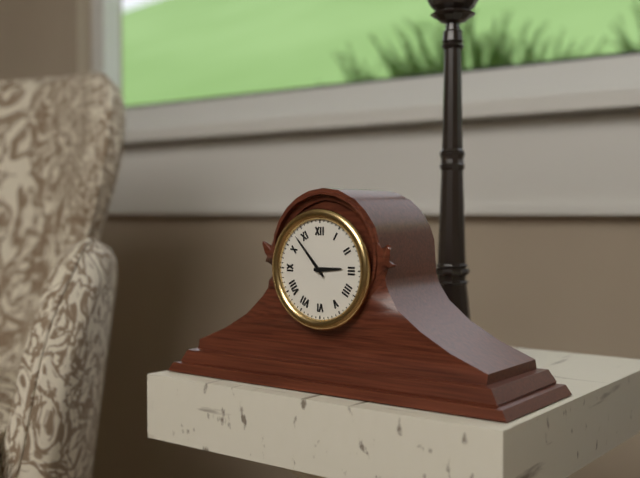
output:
2.53
